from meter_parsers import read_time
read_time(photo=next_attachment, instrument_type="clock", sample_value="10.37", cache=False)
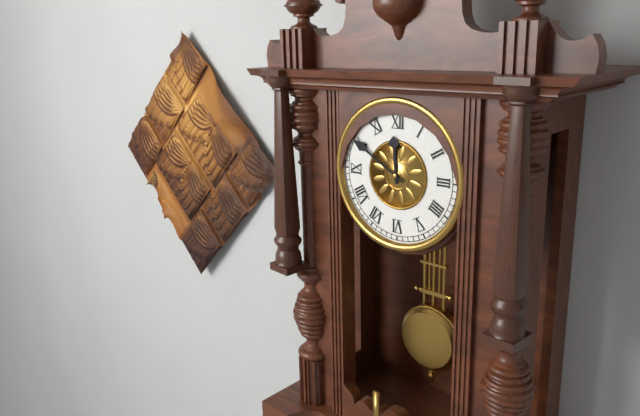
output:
11.50
